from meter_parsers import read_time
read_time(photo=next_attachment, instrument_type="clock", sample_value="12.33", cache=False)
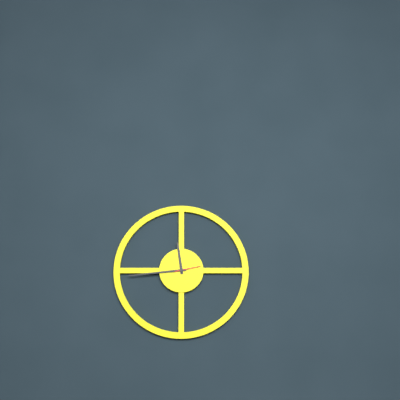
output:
11.44
